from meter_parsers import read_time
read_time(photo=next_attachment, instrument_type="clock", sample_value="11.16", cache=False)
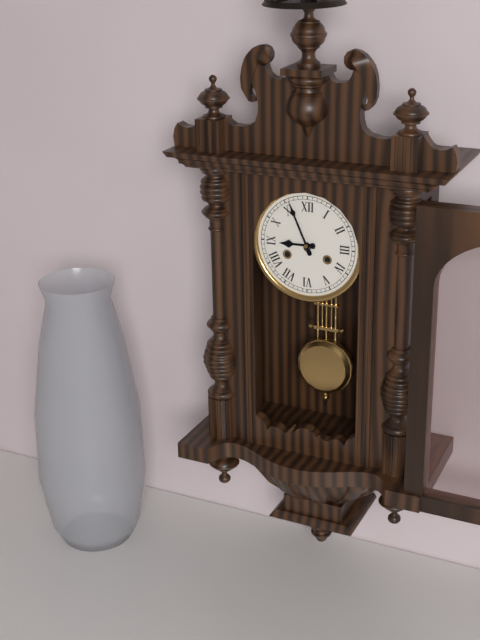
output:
8.56
